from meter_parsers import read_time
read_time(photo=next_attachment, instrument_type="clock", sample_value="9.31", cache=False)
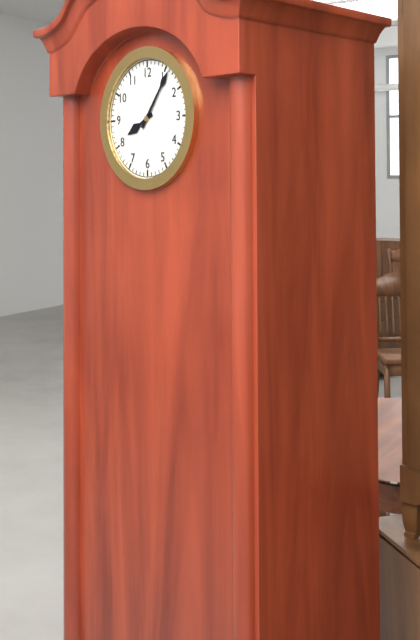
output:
8.06
